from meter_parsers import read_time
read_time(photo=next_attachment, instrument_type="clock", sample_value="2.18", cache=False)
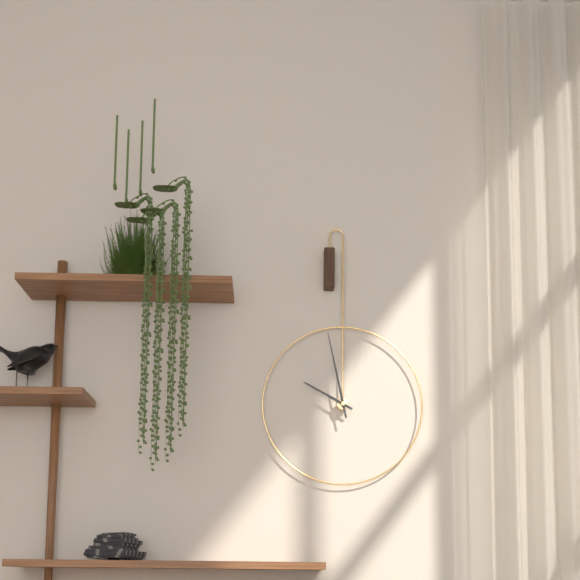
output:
9.58
